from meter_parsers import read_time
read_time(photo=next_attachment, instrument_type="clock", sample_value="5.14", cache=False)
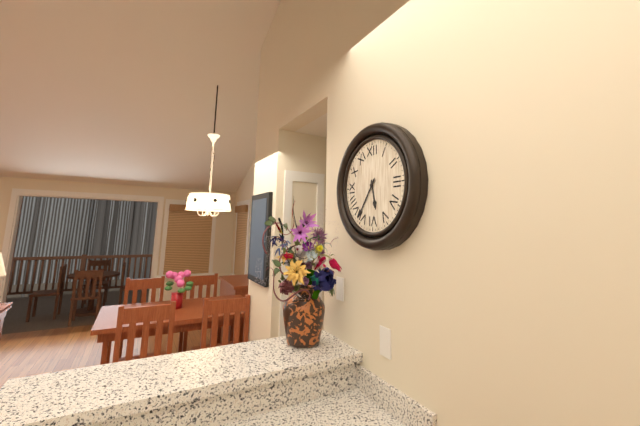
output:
5.36
